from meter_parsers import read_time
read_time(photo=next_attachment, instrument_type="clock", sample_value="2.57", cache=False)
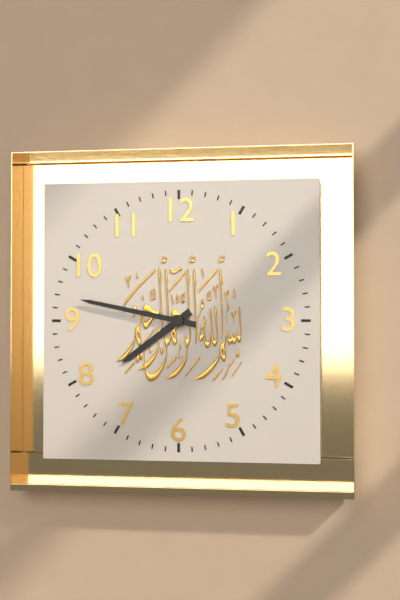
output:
7.47
